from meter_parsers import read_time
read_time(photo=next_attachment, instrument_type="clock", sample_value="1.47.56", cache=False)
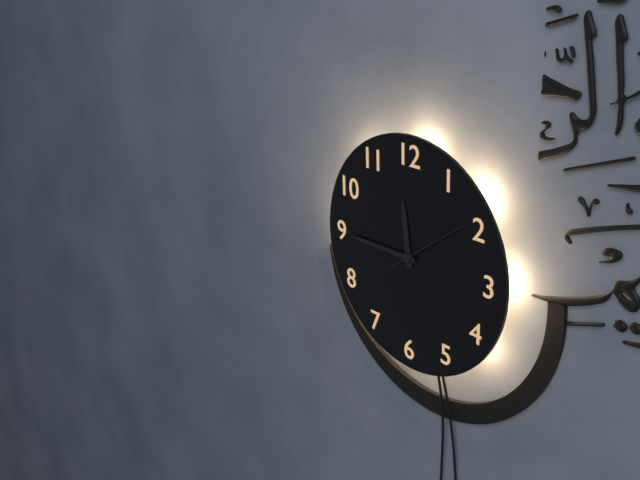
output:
11.45.09
